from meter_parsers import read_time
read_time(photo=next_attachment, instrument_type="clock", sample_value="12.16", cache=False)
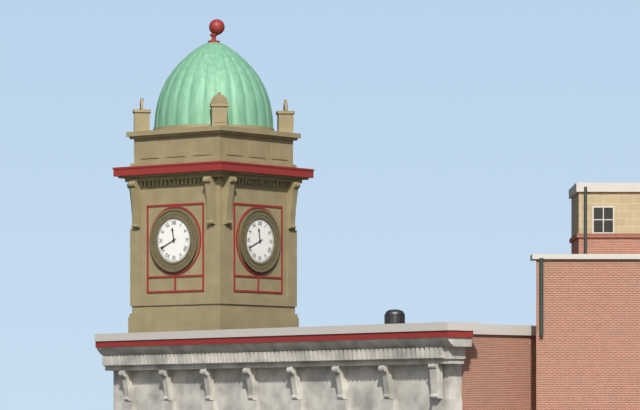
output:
11.41
